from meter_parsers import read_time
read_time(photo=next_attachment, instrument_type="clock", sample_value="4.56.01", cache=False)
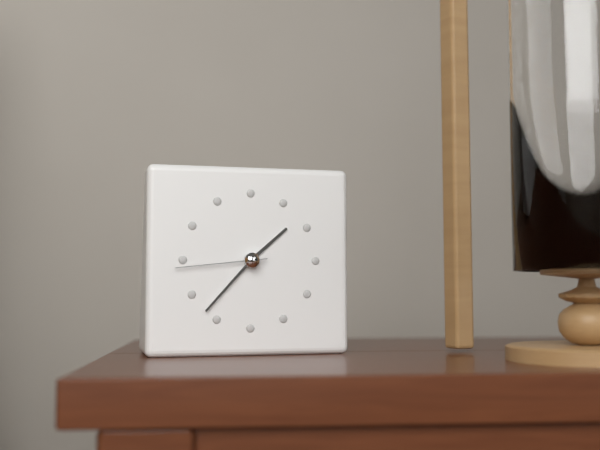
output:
1.37.44
